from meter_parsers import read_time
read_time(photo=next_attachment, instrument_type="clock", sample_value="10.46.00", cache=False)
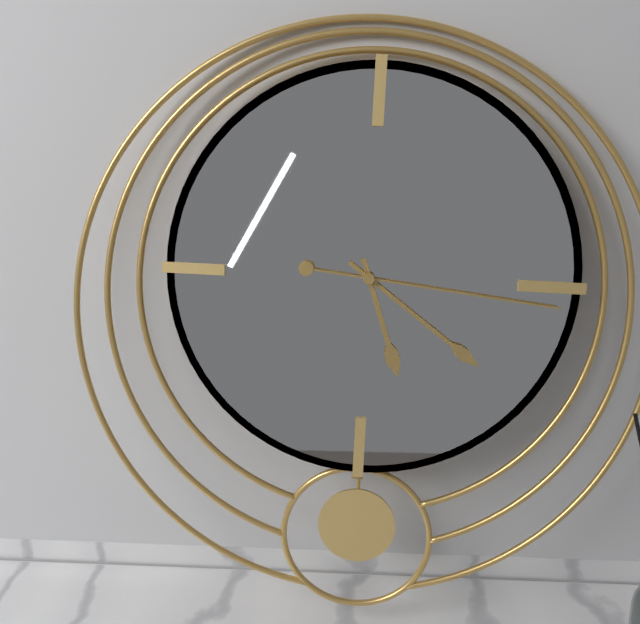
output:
5.21.16
